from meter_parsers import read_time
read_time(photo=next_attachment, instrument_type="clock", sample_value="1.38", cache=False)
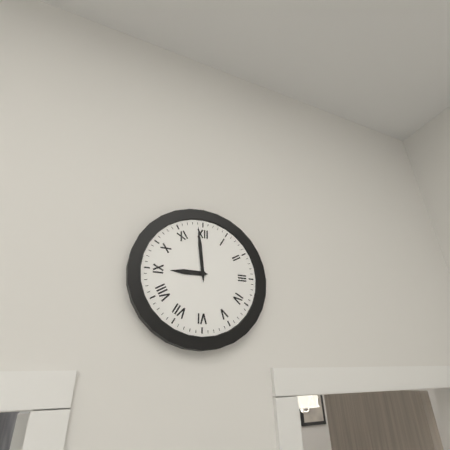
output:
8.59
